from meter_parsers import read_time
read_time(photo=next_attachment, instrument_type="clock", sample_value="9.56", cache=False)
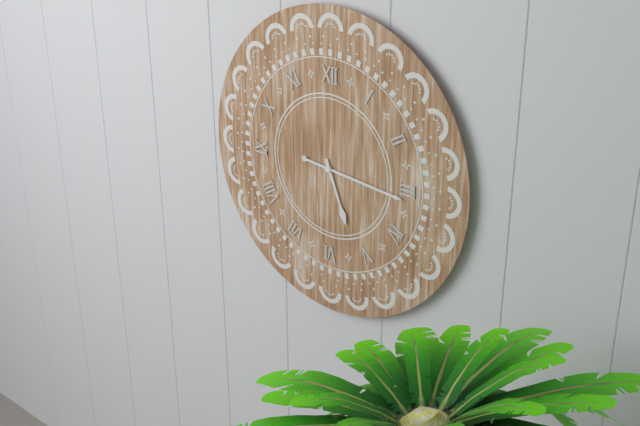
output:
5.16
